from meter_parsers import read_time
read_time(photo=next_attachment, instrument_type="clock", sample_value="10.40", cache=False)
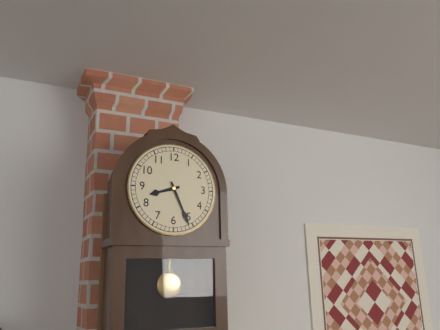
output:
8.26
